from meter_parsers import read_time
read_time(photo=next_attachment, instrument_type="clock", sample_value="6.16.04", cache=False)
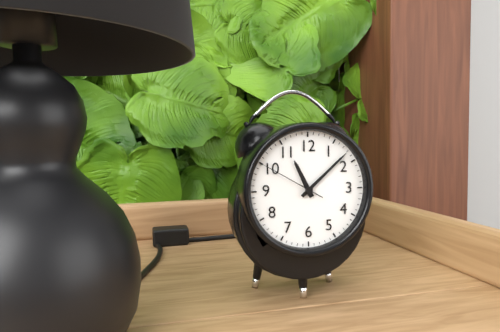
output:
11.08.50
